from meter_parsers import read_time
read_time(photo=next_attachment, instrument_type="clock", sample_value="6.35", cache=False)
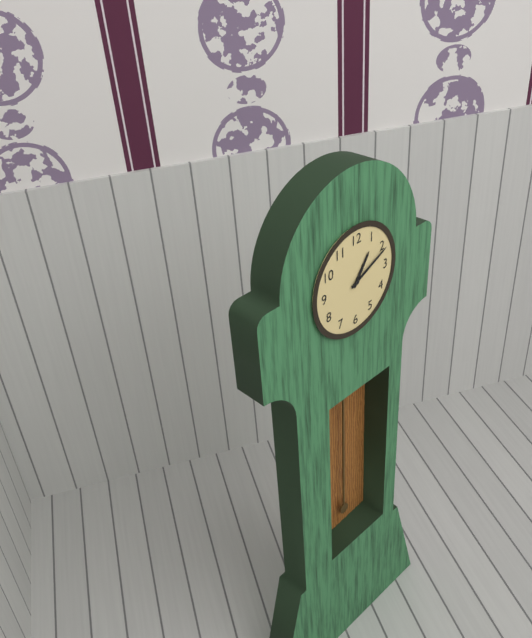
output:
1.11
